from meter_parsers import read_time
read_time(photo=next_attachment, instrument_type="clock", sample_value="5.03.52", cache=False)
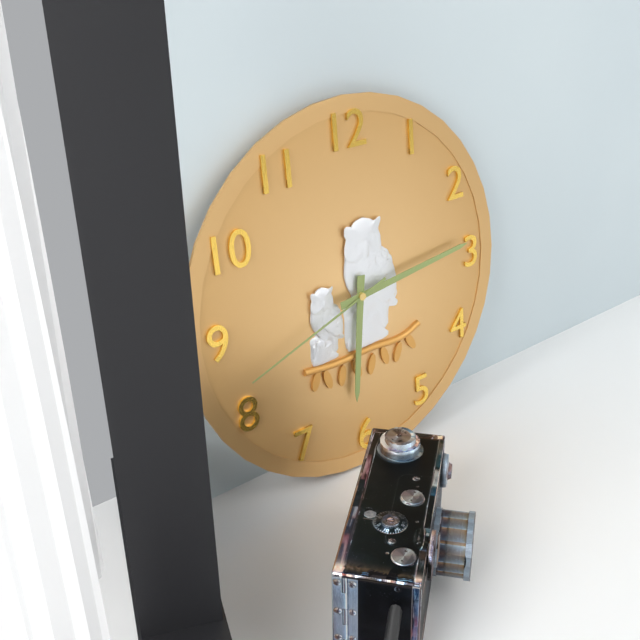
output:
6.14.42
